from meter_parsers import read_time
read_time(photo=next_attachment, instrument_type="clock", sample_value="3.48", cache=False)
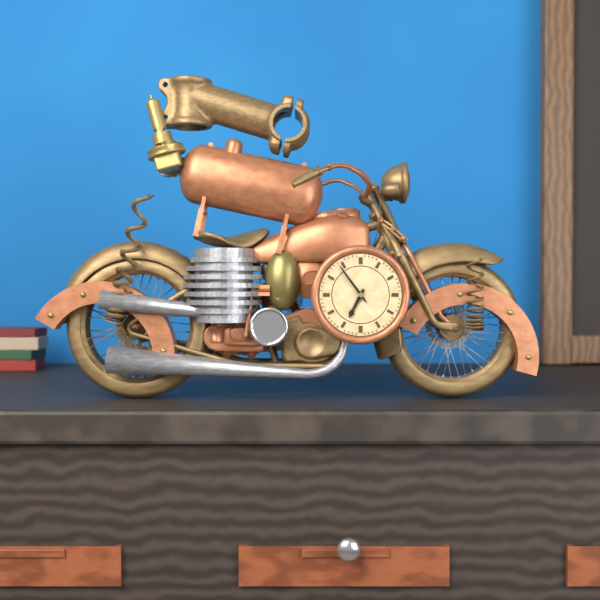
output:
6.54
